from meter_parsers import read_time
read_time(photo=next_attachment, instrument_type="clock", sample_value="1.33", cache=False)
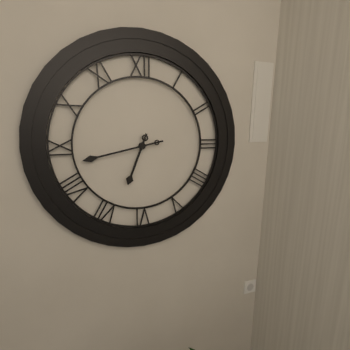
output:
6.43
